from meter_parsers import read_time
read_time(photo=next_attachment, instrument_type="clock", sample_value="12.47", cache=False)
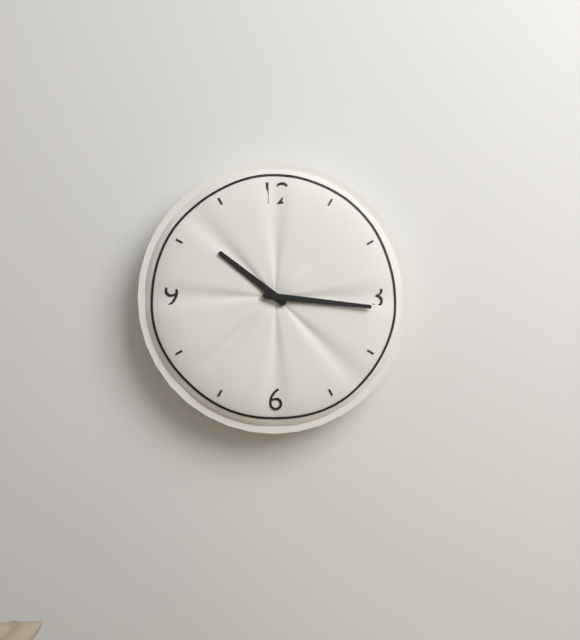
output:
10.16
